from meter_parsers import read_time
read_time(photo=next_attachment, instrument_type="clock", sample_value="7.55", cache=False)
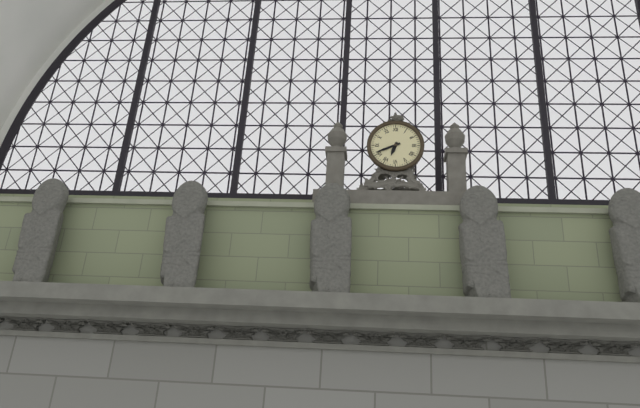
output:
6.41
